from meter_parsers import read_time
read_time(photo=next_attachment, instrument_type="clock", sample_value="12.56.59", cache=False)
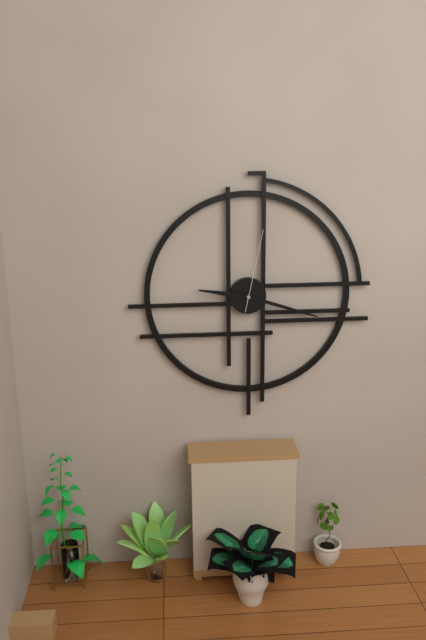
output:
9.18.02
